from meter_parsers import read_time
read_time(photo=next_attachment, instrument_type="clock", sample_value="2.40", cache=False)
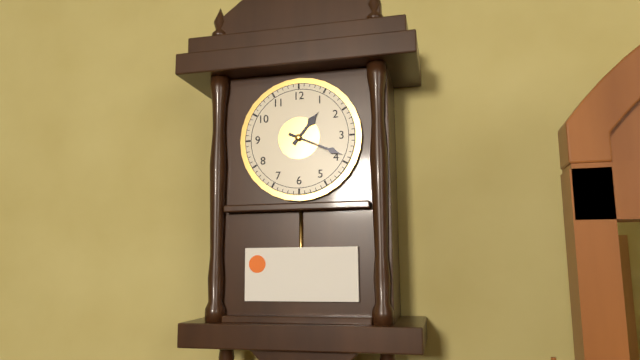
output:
1.19
